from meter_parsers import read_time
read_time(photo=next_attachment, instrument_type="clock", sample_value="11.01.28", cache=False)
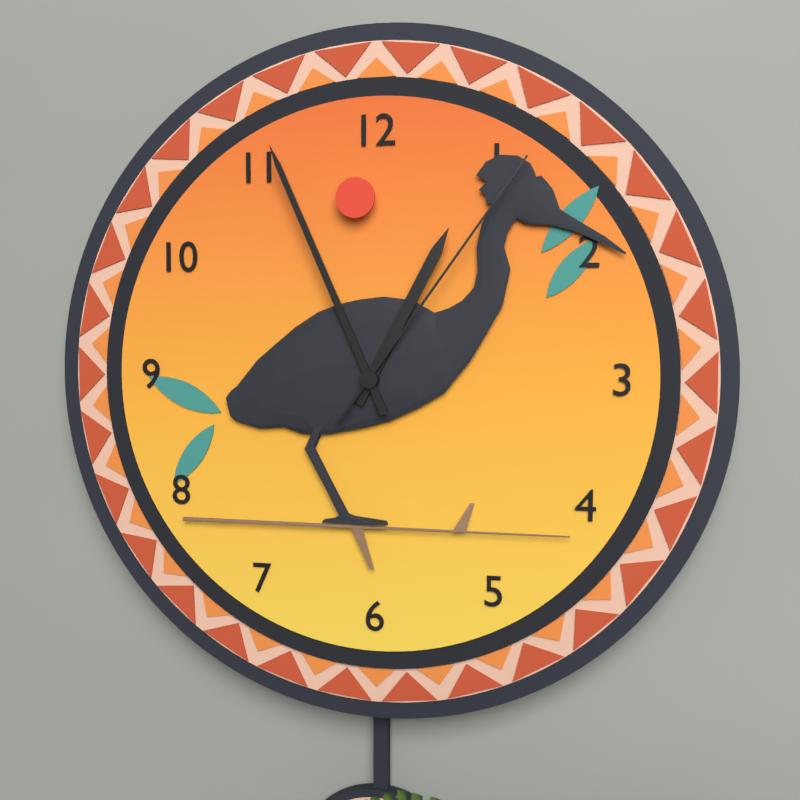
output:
12.56.06
